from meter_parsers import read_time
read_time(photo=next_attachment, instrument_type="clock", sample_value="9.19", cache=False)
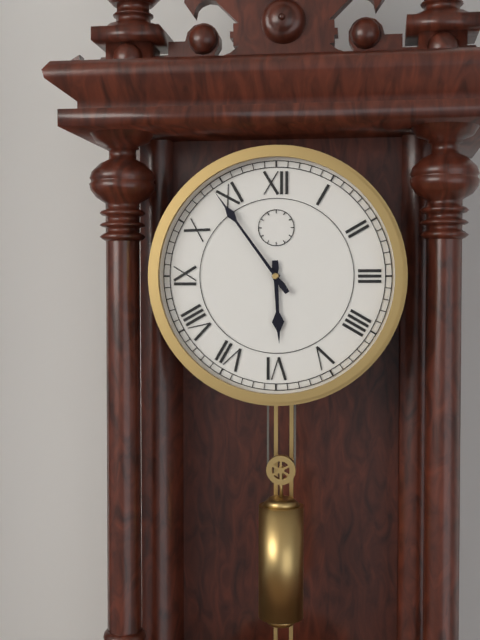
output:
5.54
